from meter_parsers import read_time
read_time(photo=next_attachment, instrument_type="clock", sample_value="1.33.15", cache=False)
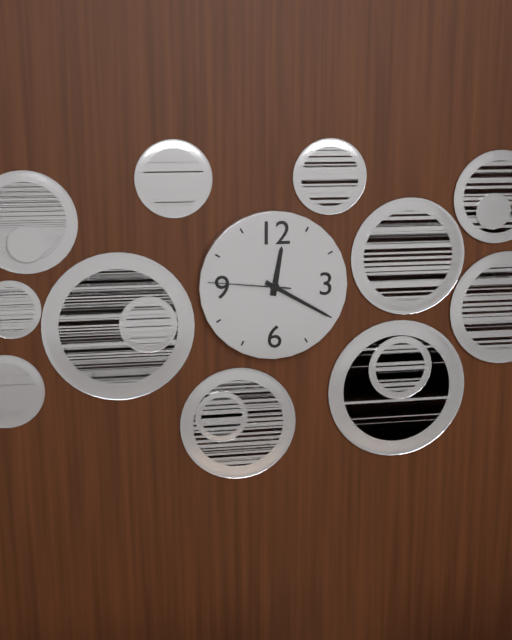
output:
12.20.46
